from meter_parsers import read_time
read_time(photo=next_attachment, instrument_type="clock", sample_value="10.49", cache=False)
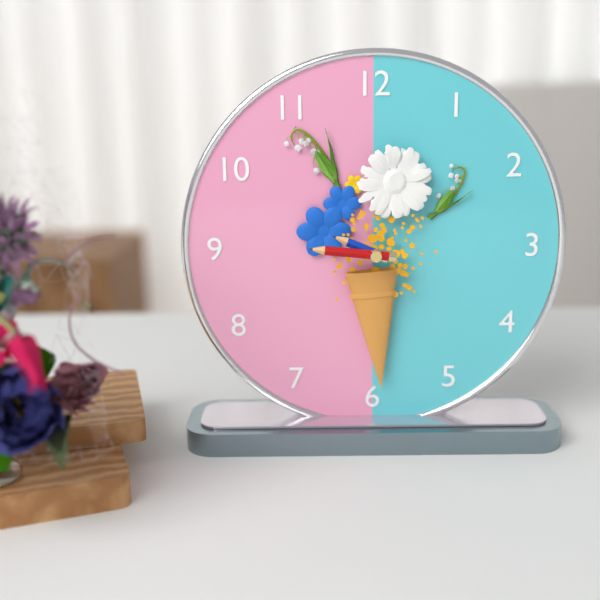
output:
9.46
